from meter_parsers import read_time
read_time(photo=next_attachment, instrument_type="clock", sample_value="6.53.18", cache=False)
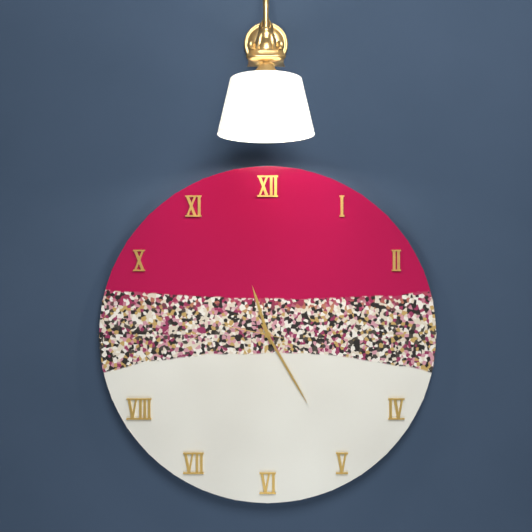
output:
11.25.47
